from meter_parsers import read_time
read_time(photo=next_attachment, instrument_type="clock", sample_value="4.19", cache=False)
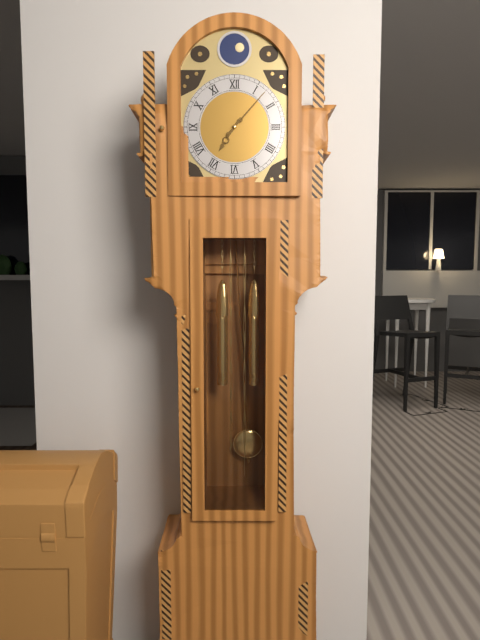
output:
7.07
